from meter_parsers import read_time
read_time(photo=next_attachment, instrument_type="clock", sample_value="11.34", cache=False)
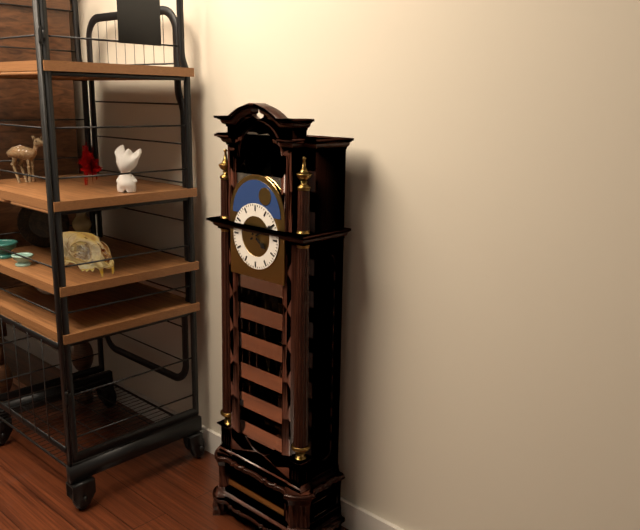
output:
4.10
